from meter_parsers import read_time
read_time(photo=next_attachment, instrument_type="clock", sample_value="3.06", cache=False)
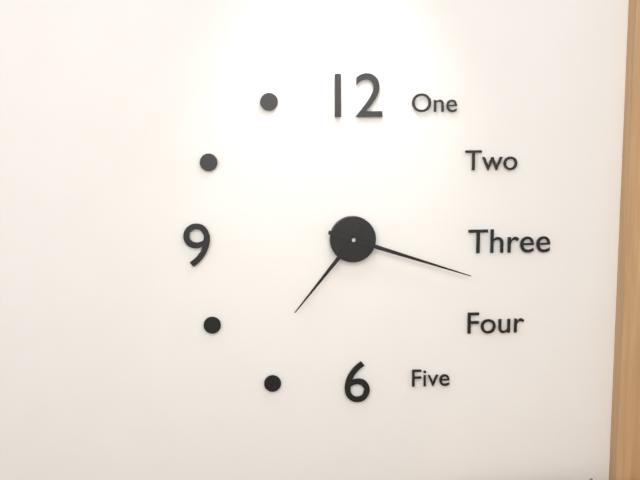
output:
7.18
